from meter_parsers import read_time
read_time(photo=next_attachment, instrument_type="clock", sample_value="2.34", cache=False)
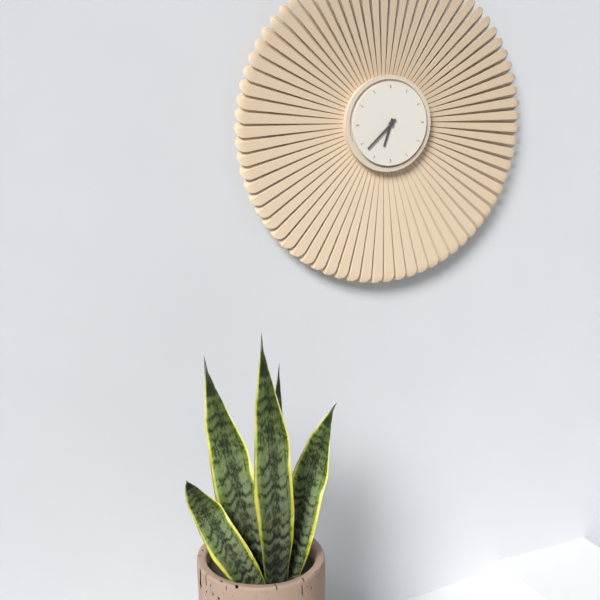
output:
6.38
